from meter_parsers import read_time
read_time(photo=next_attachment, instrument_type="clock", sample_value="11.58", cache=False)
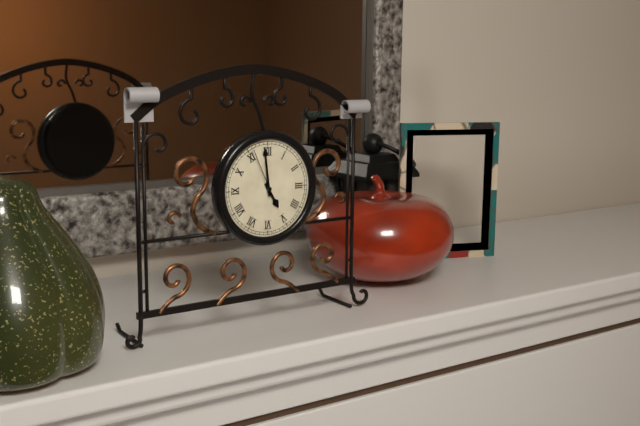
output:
4.59
